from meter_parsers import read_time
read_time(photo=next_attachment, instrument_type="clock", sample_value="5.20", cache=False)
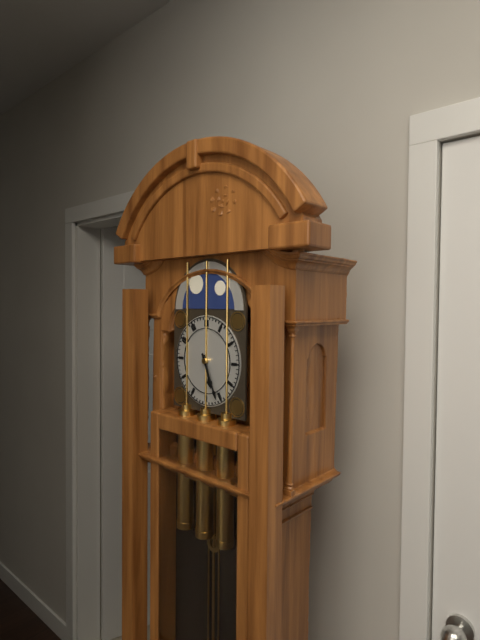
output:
5.26
